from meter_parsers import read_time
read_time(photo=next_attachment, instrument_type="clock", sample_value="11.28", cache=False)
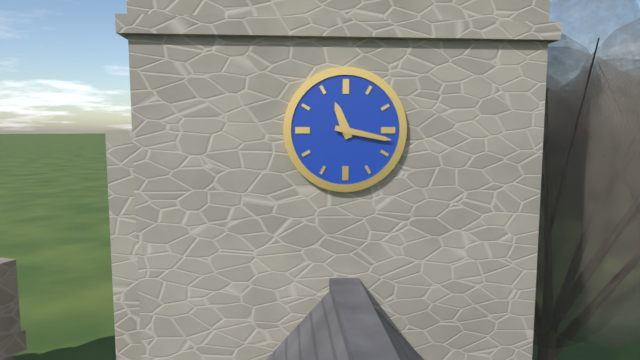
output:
11.17
